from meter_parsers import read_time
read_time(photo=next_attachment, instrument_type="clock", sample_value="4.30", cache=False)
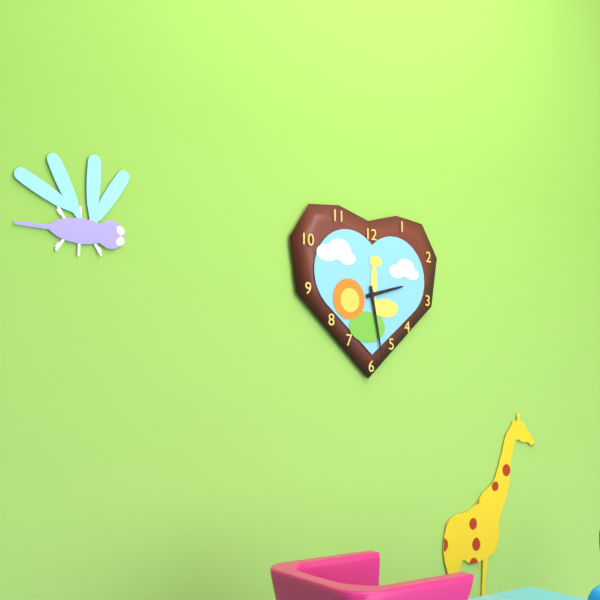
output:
2.28
